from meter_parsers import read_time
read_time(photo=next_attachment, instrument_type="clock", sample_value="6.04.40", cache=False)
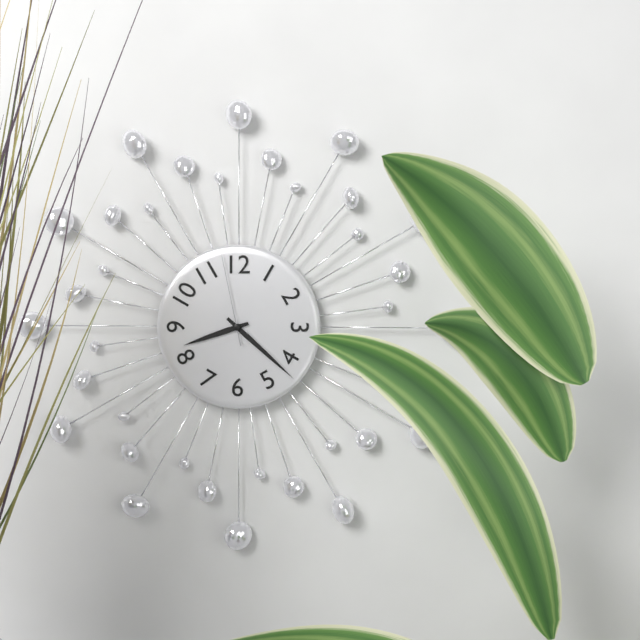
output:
8.22.58
